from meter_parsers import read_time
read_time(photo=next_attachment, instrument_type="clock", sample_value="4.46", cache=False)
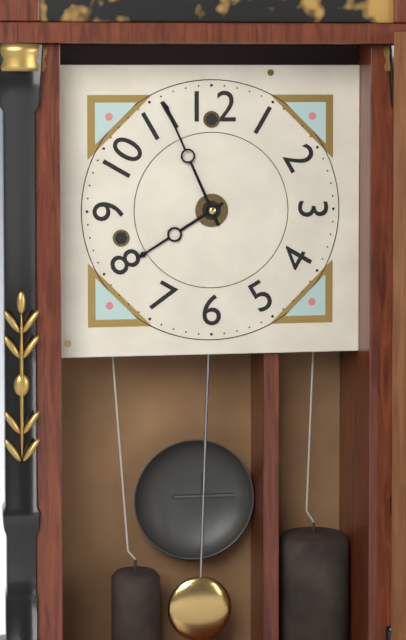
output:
7.56
